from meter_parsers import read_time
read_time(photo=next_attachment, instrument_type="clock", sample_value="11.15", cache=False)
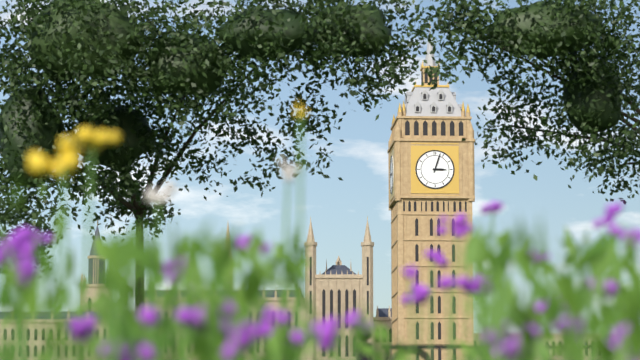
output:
3.03
